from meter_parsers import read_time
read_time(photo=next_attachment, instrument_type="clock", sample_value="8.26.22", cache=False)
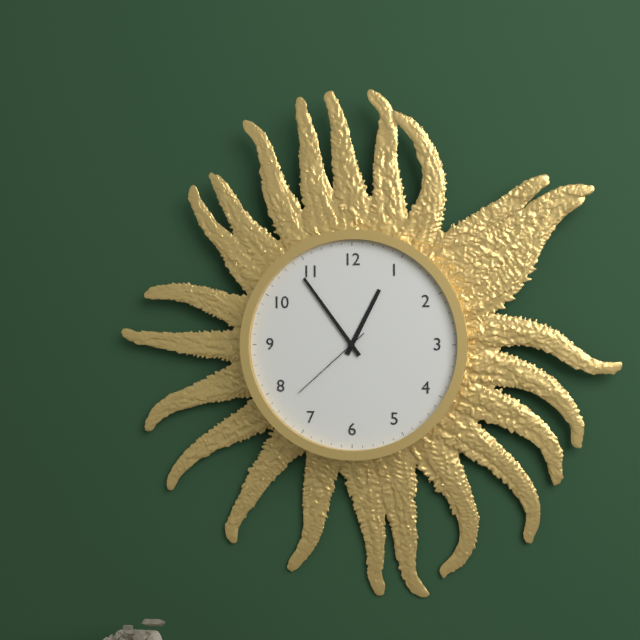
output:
12.54.38
